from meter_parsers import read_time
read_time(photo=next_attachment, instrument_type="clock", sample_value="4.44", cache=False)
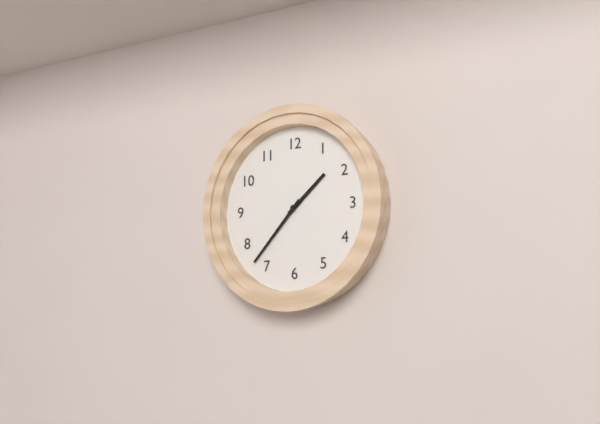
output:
1.37
